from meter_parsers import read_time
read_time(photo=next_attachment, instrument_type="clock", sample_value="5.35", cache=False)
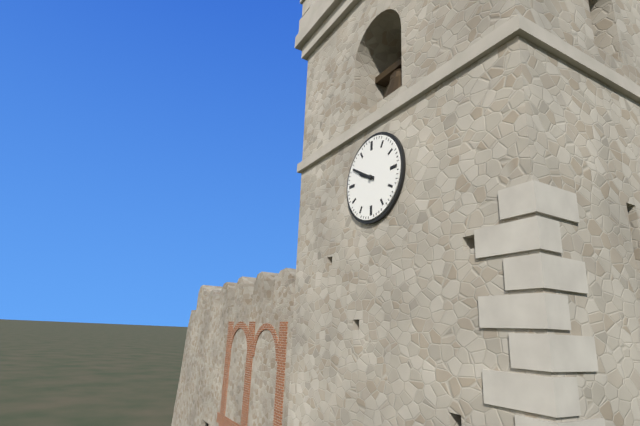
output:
9.50
